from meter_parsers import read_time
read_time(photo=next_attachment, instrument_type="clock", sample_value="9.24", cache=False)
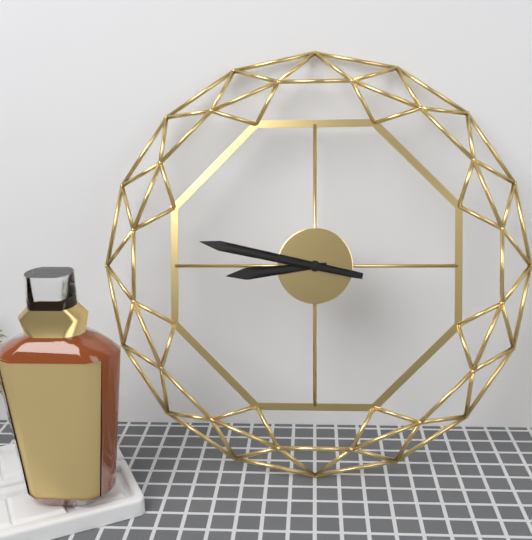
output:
8.47
